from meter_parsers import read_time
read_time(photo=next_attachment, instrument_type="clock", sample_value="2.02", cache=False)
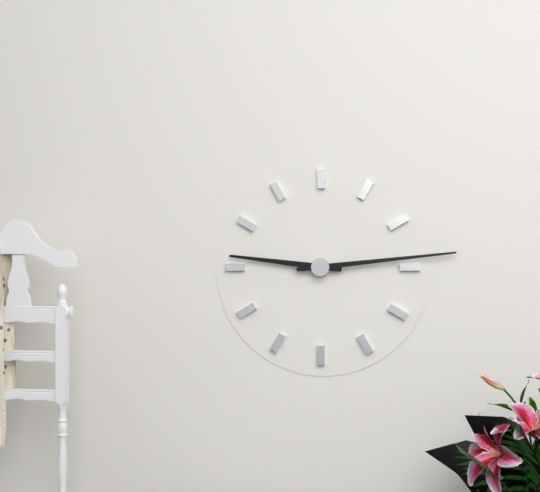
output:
9.14
